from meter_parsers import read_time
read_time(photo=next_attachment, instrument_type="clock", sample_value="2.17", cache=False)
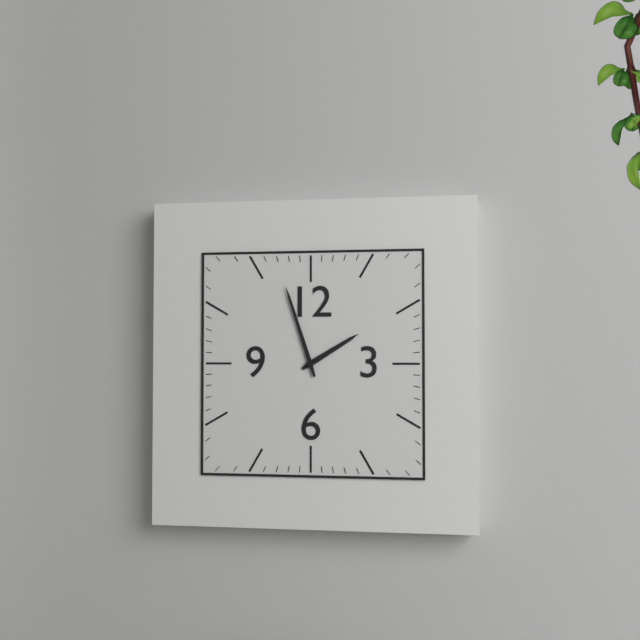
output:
1.57
